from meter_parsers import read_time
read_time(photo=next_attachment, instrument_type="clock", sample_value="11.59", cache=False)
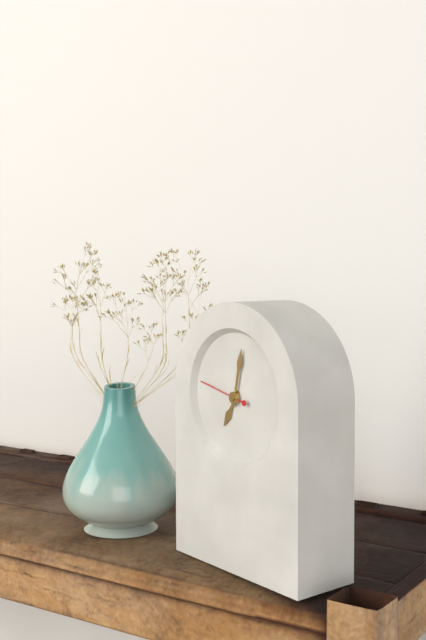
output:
7.02
